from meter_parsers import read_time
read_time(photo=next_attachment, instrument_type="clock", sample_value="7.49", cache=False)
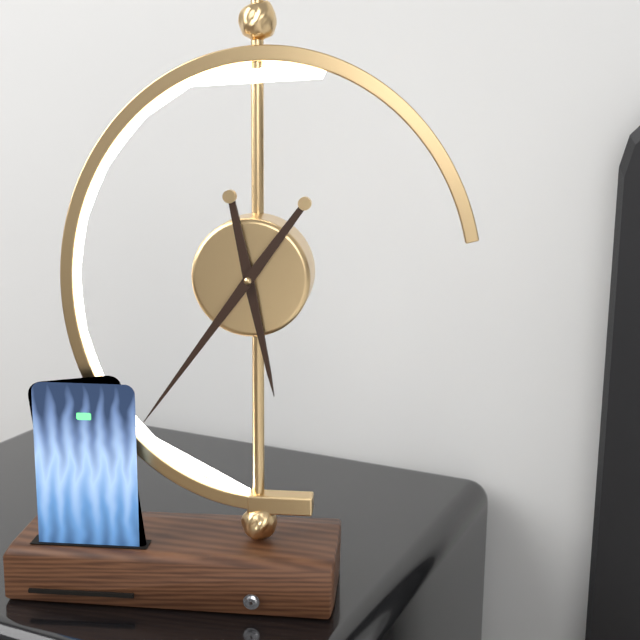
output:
5.36
